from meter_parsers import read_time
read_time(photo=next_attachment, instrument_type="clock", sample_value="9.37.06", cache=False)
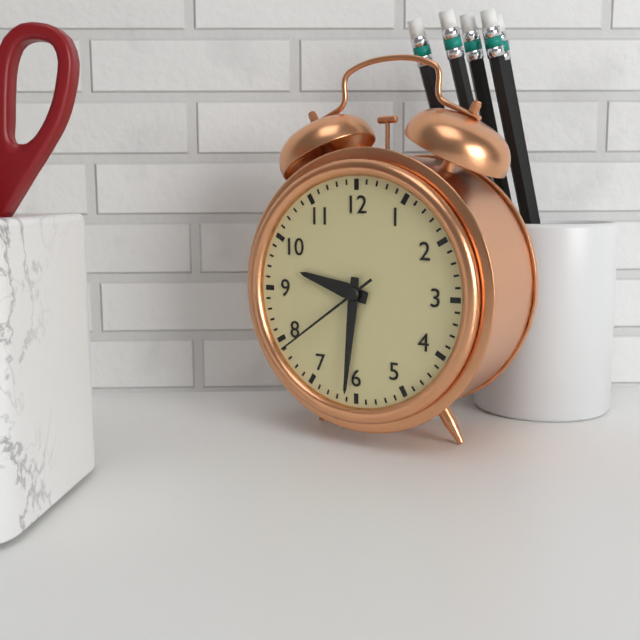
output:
9.31.39
